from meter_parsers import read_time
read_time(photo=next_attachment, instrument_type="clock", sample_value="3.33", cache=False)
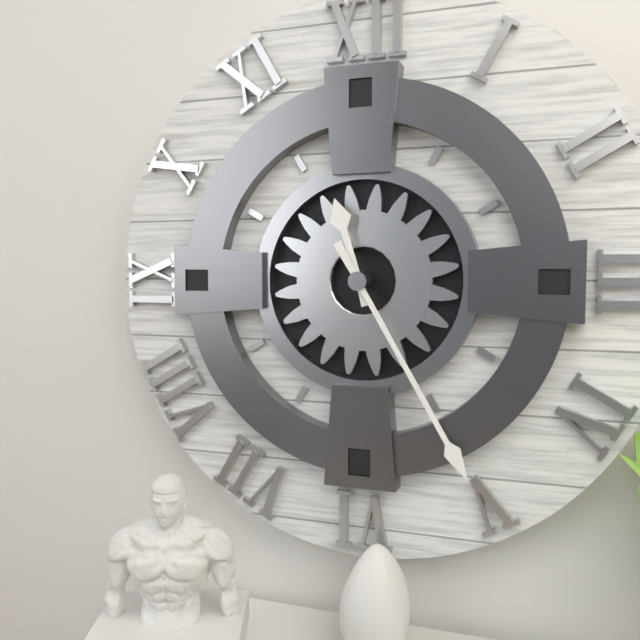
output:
11.25
